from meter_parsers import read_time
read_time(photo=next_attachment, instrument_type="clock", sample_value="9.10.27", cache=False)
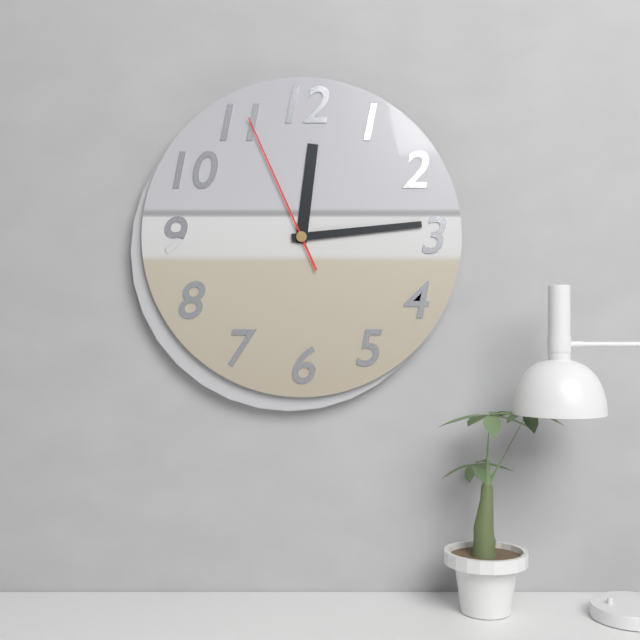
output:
12.14.56
